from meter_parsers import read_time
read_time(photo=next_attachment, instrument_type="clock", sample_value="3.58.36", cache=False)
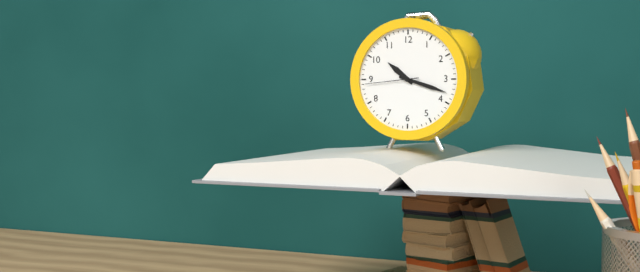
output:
10.18.44
